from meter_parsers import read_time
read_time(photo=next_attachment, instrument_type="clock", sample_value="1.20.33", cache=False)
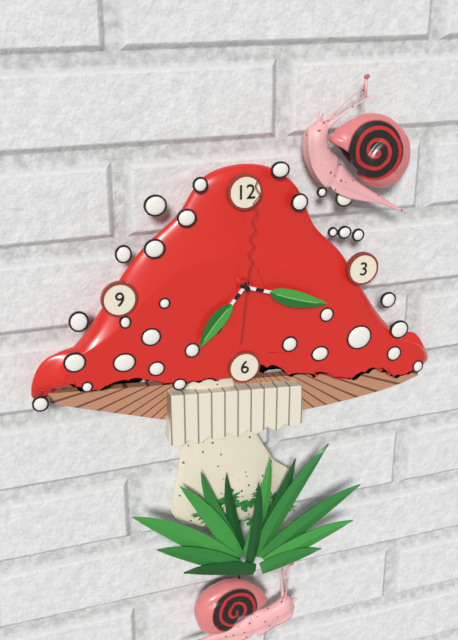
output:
7.18.01
